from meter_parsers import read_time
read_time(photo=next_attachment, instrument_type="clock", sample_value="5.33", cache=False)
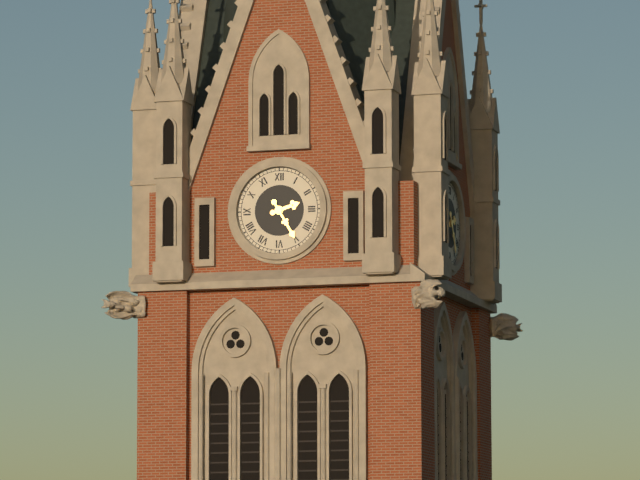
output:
2.25
